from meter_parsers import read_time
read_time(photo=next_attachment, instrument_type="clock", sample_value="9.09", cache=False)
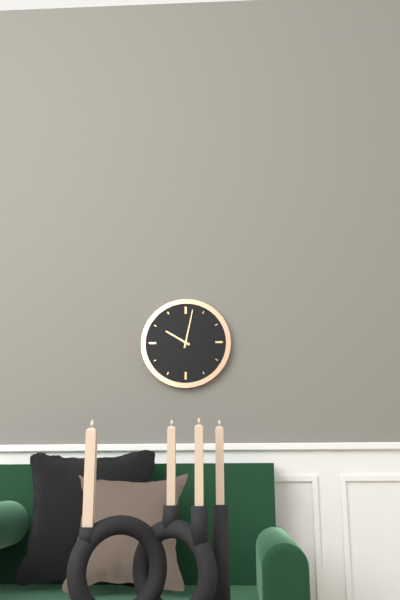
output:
10.02
